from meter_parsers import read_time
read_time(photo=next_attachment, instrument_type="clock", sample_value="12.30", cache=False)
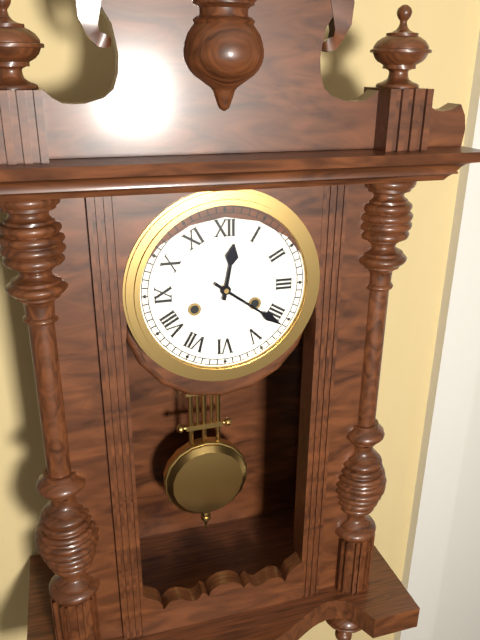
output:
12.21
